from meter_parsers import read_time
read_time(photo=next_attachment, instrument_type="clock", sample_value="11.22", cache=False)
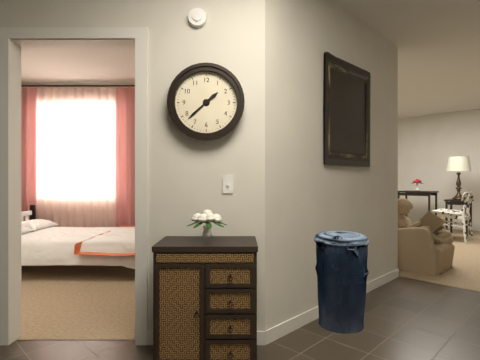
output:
1.38
